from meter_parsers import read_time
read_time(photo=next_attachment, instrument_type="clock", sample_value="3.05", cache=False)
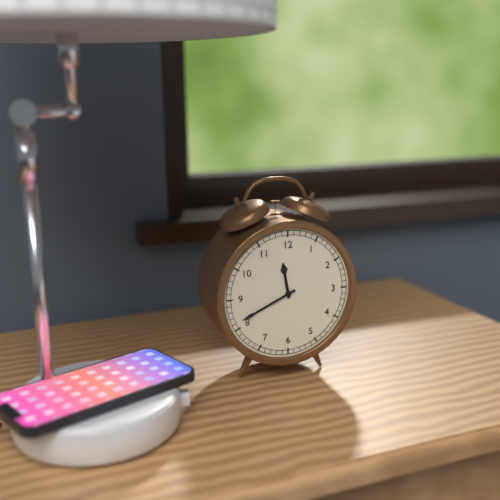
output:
11.41
